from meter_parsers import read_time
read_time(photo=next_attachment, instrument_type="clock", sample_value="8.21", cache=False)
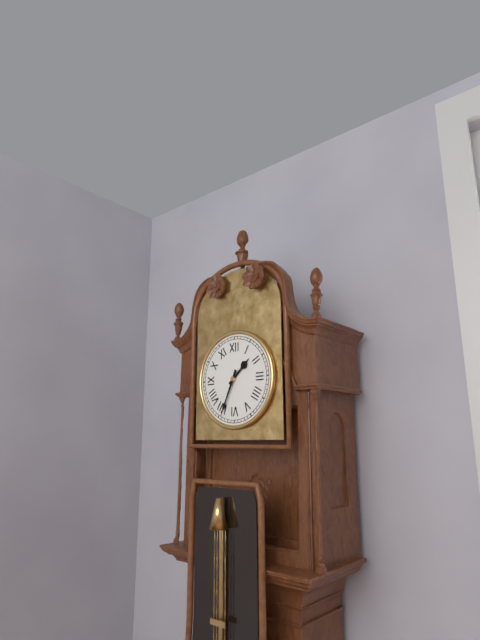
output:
1.34
